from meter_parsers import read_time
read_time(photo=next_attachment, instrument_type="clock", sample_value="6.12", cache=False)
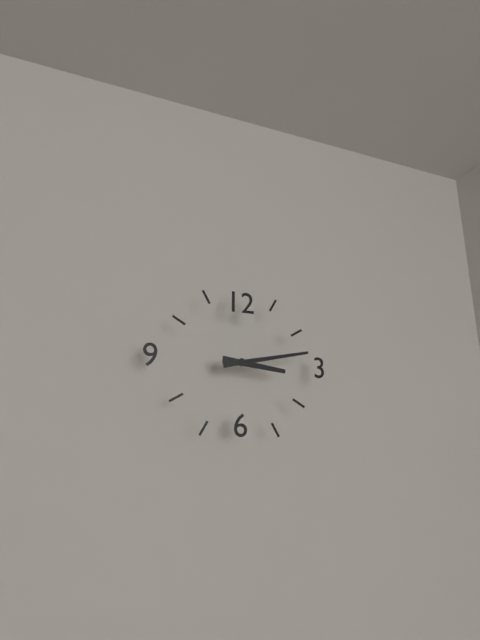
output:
3.13
